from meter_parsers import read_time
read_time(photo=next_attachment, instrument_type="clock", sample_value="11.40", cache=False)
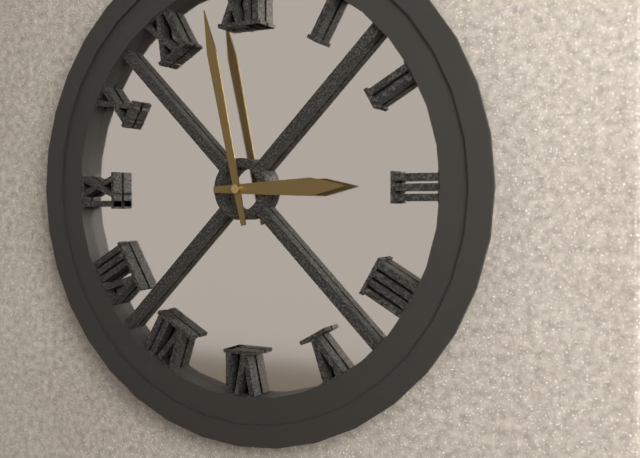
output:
2.58
